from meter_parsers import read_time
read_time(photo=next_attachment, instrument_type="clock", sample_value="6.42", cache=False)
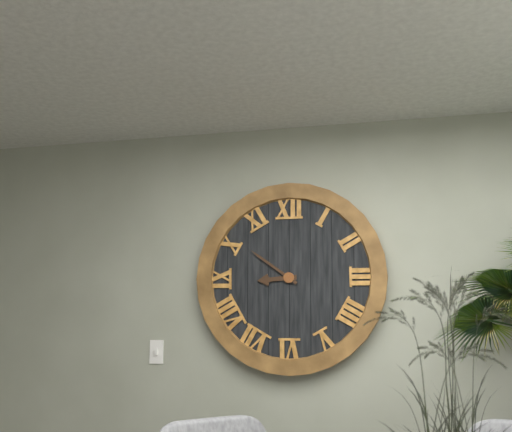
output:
8.51
